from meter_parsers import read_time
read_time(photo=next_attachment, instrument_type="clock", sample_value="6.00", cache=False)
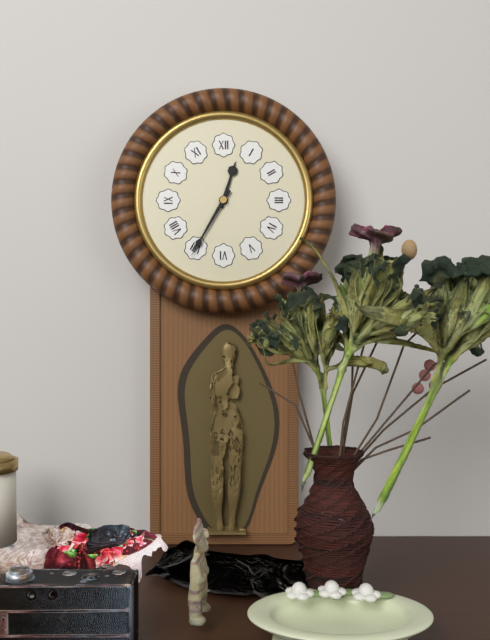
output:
12.35
